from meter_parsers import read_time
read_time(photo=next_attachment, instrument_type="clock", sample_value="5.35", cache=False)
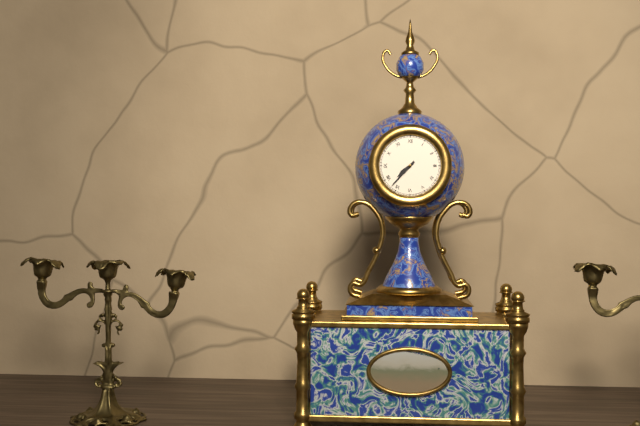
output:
7.37
